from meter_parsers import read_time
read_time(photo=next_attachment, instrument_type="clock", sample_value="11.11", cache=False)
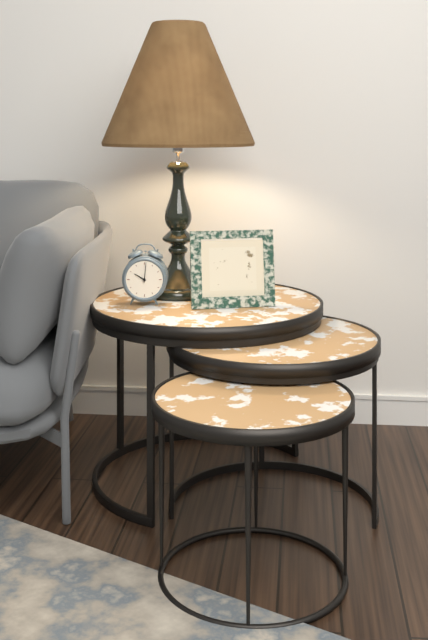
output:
10.01
